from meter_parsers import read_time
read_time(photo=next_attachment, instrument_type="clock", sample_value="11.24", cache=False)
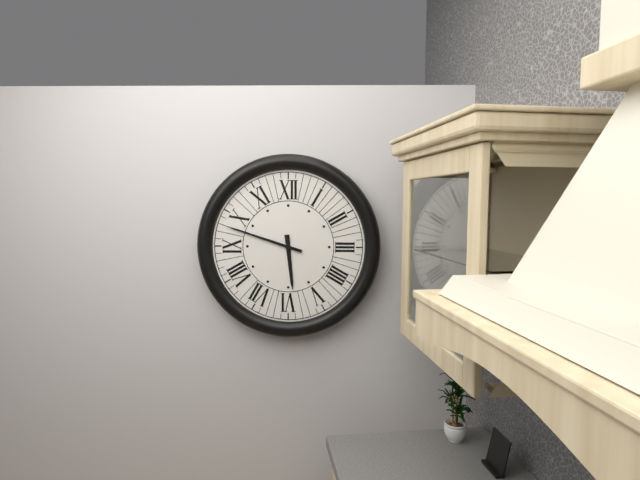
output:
5.48
